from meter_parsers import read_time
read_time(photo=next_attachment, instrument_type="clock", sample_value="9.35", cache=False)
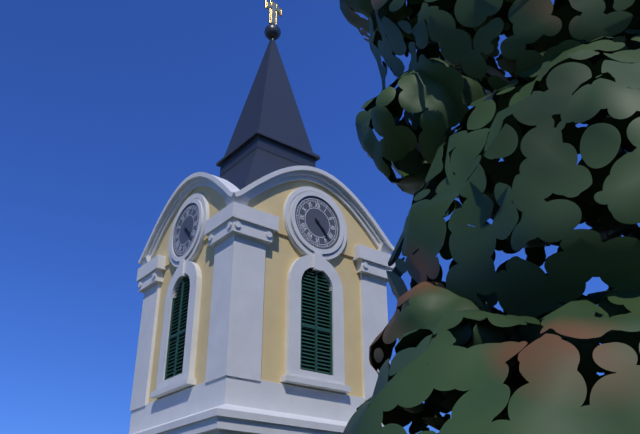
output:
4.23
